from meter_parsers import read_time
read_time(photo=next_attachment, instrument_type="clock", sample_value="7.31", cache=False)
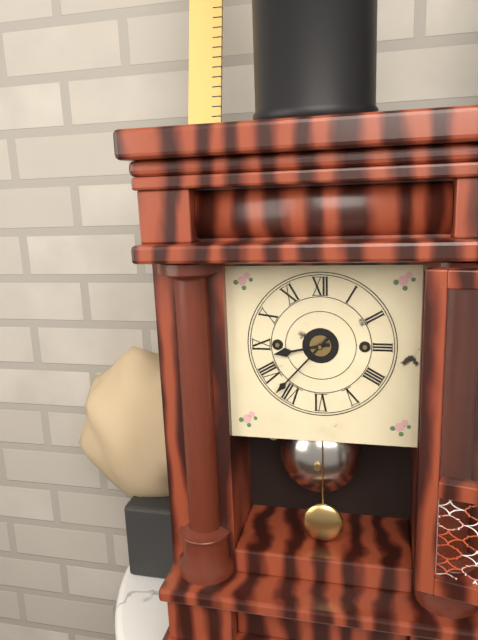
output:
8.37
